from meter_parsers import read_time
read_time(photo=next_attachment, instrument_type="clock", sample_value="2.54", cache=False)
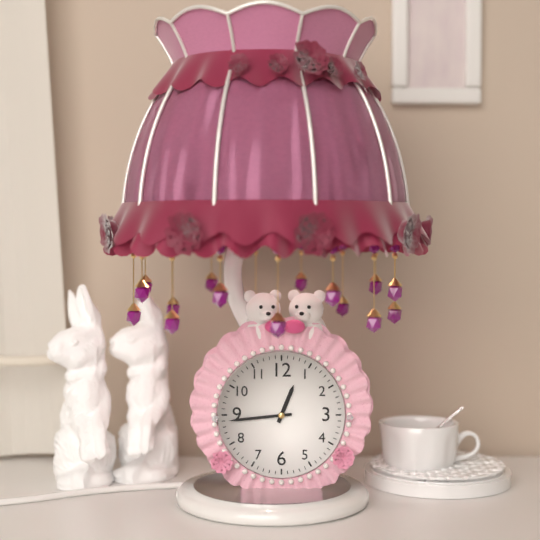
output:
12.44
